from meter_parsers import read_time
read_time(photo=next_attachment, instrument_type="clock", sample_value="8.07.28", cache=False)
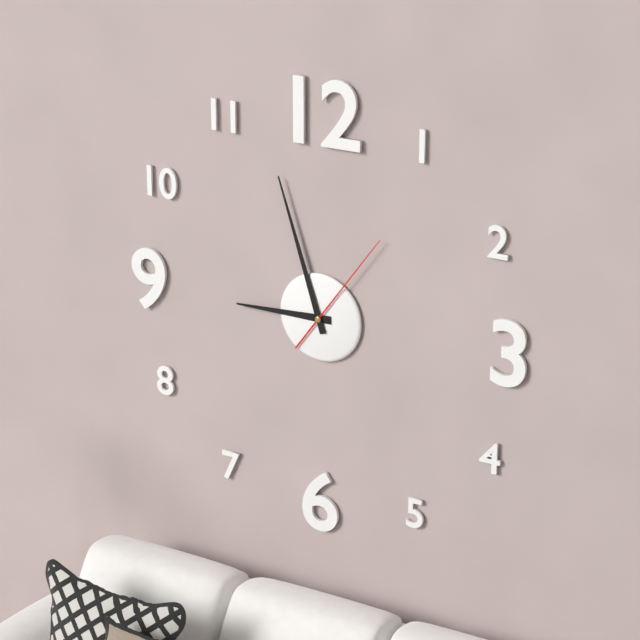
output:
8.57.06
